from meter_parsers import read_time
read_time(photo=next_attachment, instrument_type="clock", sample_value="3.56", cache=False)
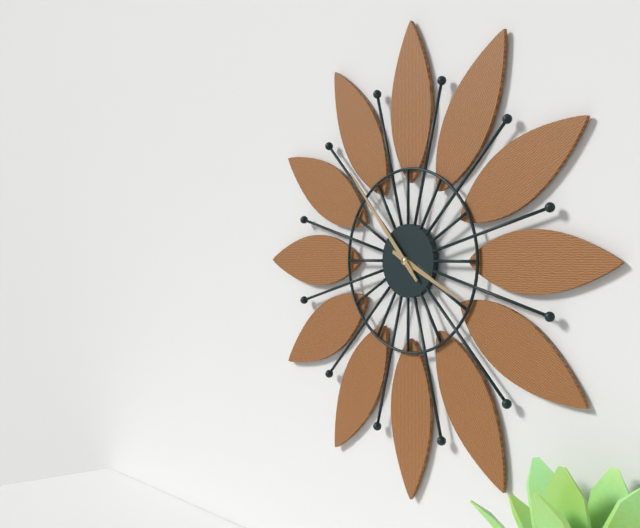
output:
3.53
